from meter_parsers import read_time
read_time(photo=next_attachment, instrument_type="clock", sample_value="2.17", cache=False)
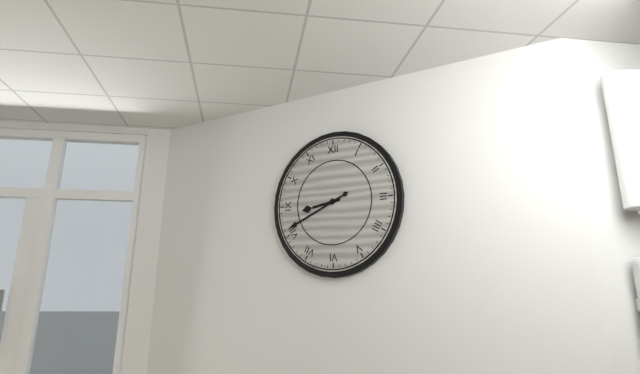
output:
8.41
